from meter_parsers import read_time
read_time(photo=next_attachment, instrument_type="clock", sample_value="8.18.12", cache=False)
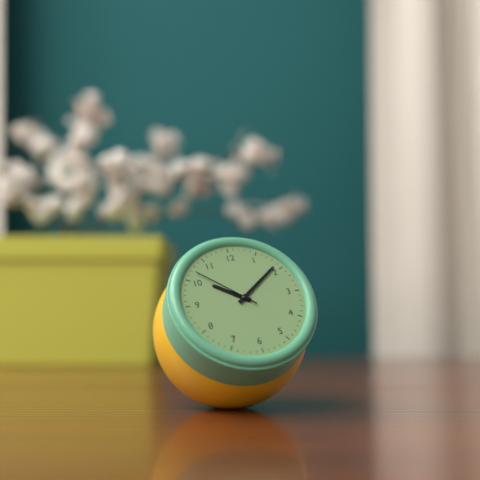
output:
10.09.52
